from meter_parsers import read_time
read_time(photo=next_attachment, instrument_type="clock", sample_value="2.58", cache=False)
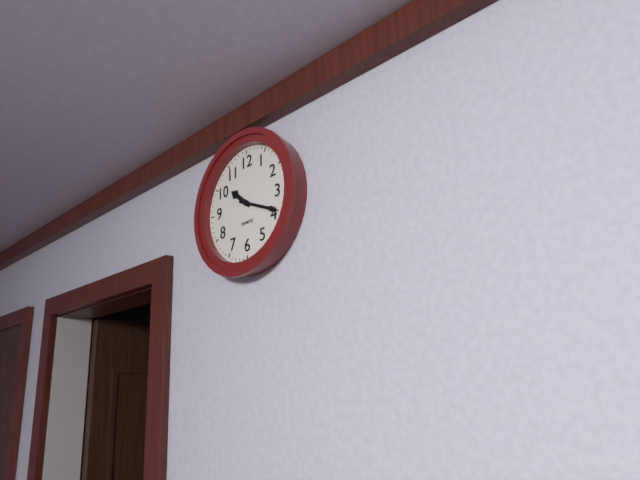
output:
10.19
